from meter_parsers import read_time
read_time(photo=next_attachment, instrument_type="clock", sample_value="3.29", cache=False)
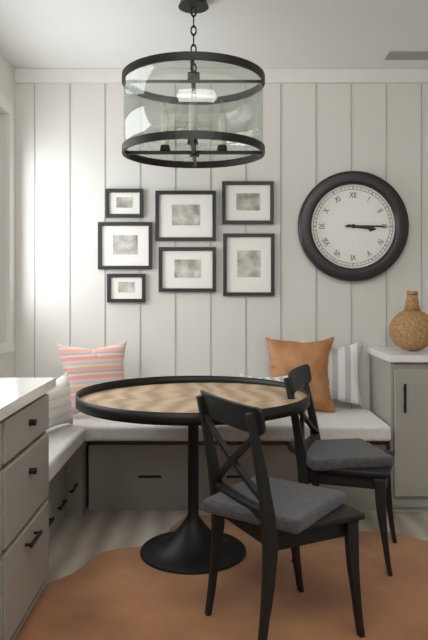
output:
3.15
